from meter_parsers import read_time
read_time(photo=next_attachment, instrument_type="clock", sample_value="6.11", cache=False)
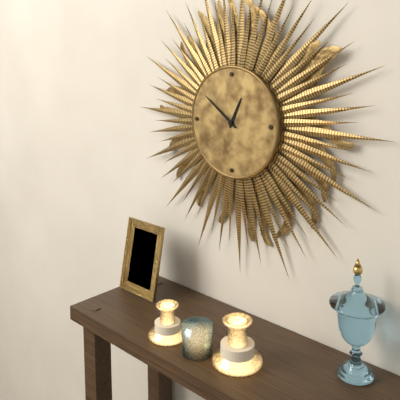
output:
12.51
